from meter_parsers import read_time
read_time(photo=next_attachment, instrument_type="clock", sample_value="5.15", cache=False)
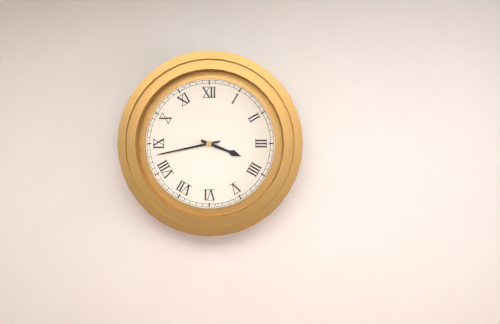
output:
3.43
